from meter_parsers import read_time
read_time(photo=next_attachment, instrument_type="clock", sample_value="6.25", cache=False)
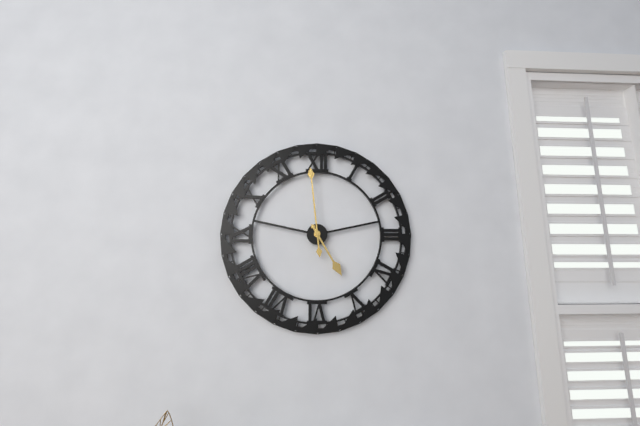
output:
4.59
